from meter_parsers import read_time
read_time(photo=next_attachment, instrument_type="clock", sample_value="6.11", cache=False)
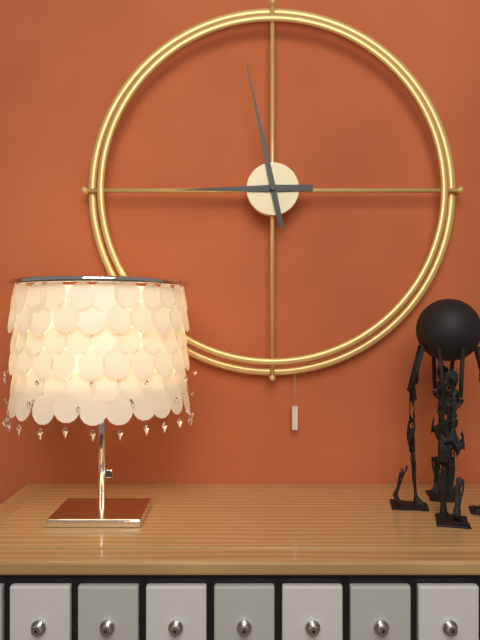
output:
8.58
